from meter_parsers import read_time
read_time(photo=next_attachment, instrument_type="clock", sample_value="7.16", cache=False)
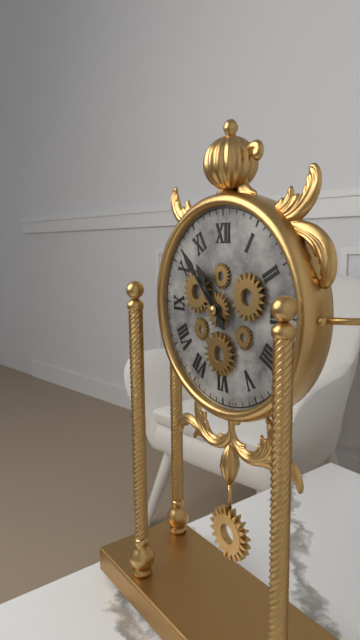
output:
10.53
